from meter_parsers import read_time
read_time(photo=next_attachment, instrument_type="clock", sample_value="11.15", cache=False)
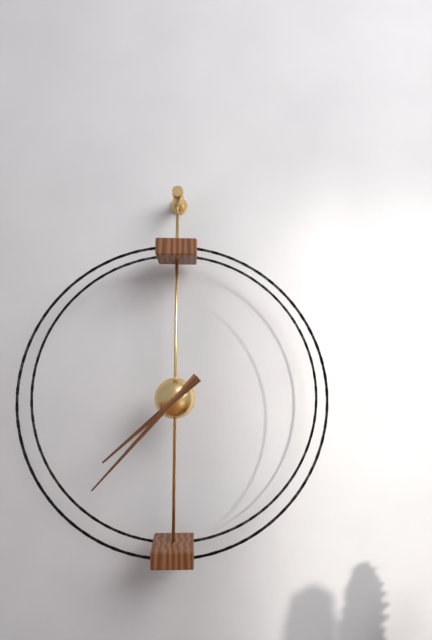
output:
7.37
